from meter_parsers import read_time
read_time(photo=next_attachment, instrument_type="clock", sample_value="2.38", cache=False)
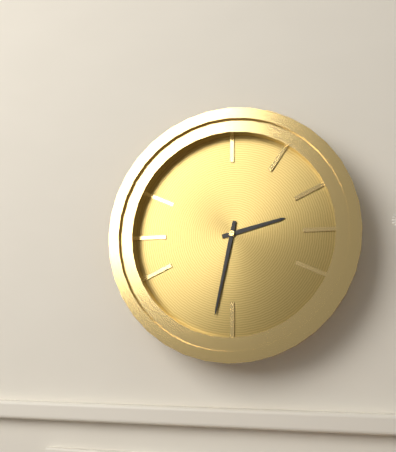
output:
2.32
